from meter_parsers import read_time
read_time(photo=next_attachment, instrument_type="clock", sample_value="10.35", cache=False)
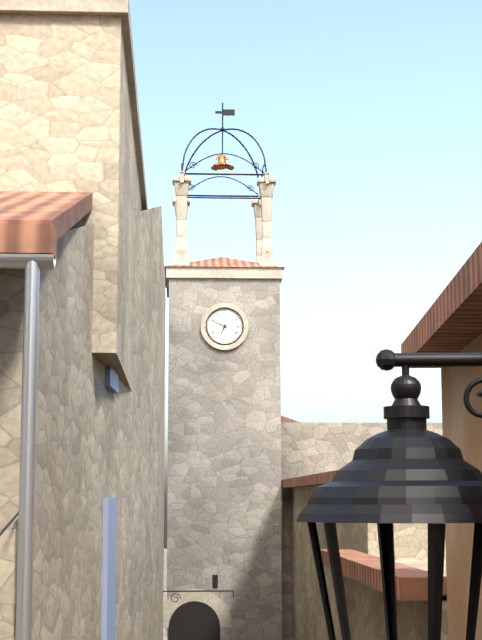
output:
6.49
